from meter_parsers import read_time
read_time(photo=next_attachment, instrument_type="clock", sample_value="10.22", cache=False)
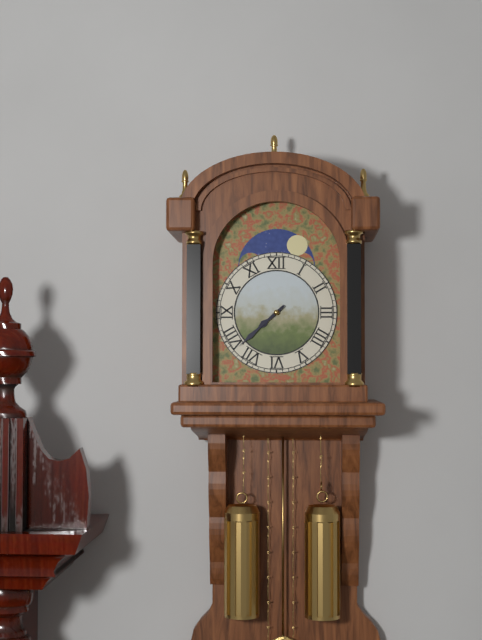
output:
7.38
